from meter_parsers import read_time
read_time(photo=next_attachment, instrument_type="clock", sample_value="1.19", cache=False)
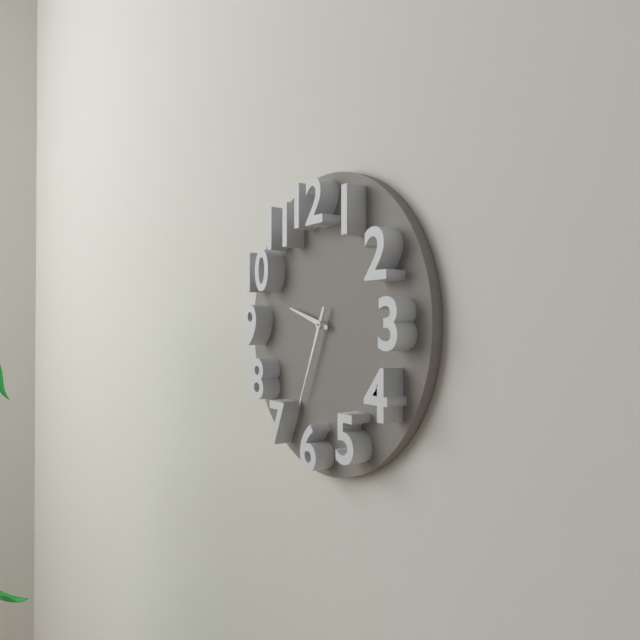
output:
9.34
